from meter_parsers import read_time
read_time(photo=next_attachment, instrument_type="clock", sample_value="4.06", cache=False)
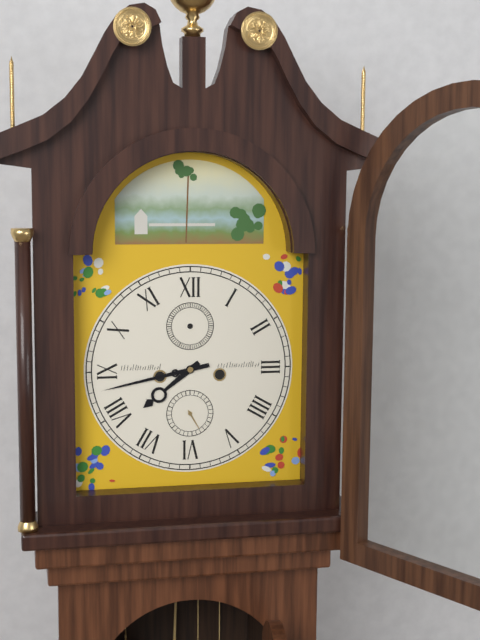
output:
7.43
